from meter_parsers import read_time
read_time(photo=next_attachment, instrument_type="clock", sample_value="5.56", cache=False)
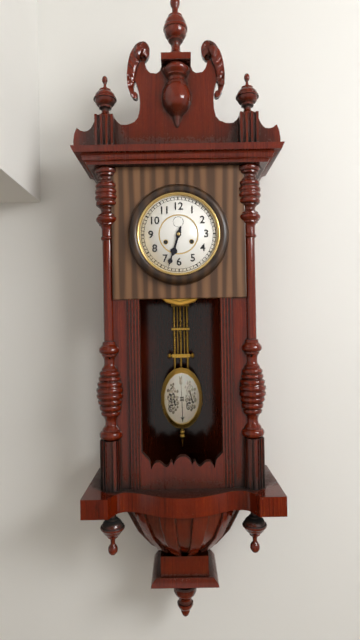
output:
6.33
